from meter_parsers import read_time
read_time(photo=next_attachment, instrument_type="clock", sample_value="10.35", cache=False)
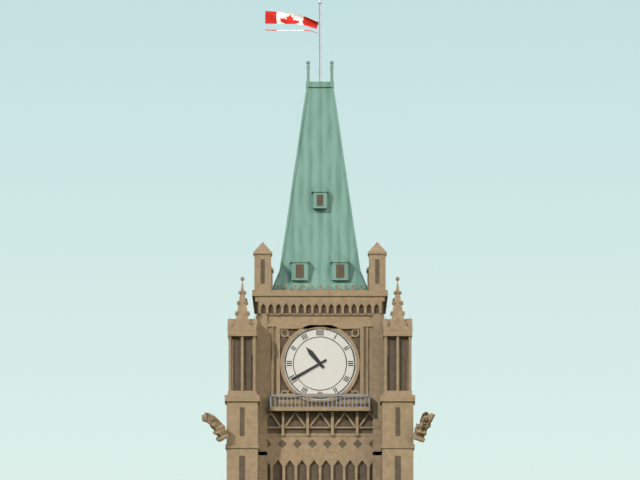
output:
10.40
